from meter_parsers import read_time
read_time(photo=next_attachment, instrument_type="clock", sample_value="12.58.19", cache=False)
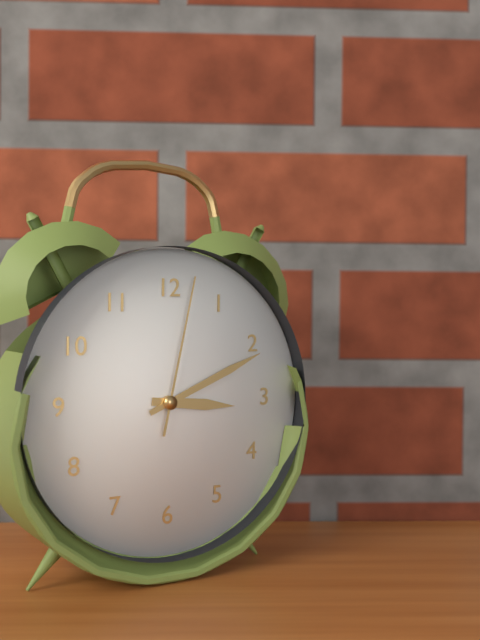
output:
3.11.02
